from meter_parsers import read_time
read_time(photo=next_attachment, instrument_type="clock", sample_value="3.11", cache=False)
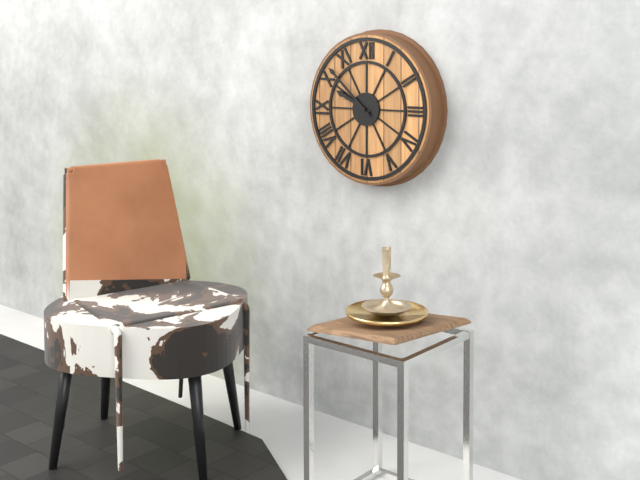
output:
9.52
